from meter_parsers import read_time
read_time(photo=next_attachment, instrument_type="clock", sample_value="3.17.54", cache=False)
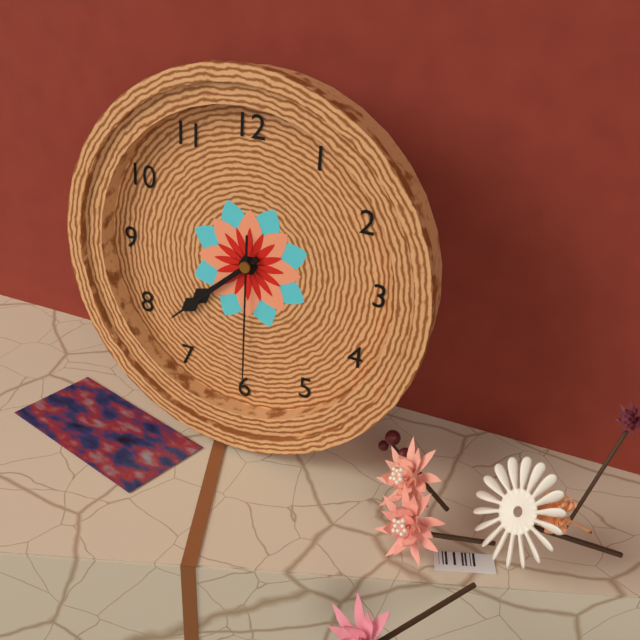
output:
7.38.30
